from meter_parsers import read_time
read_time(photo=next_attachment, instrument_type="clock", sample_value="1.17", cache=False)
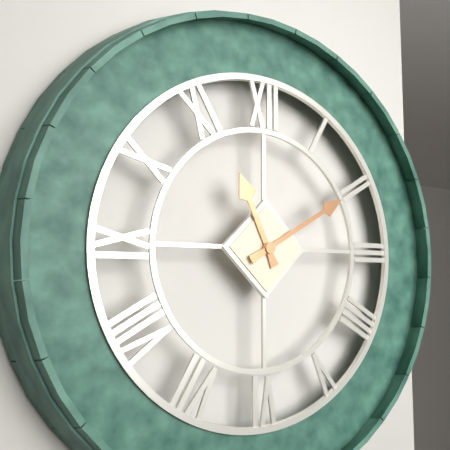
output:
11.10
